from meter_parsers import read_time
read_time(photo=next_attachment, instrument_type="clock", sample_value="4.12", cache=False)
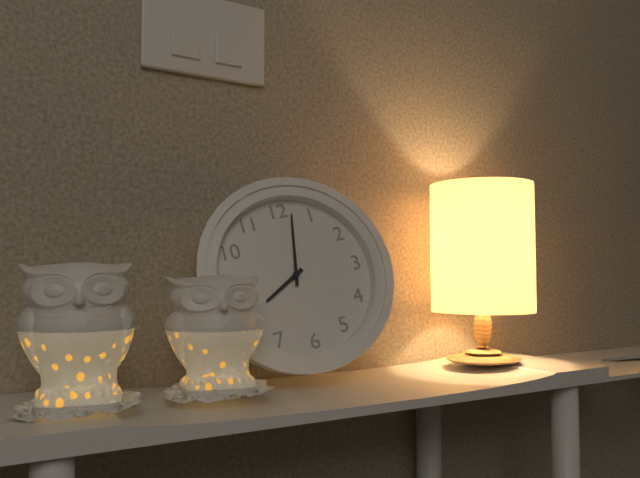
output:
8.02
